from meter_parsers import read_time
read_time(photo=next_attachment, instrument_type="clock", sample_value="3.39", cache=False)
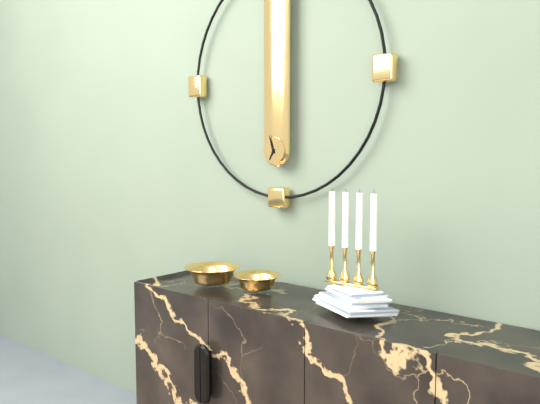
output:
6.57
